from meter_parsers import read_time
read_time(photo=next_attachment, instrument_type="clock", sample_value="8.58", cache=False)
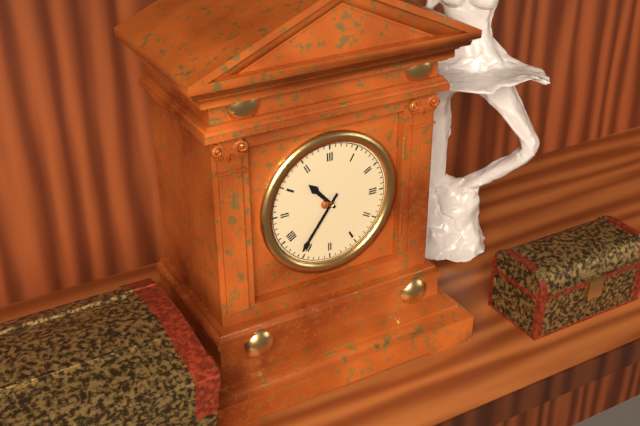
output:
10.36
